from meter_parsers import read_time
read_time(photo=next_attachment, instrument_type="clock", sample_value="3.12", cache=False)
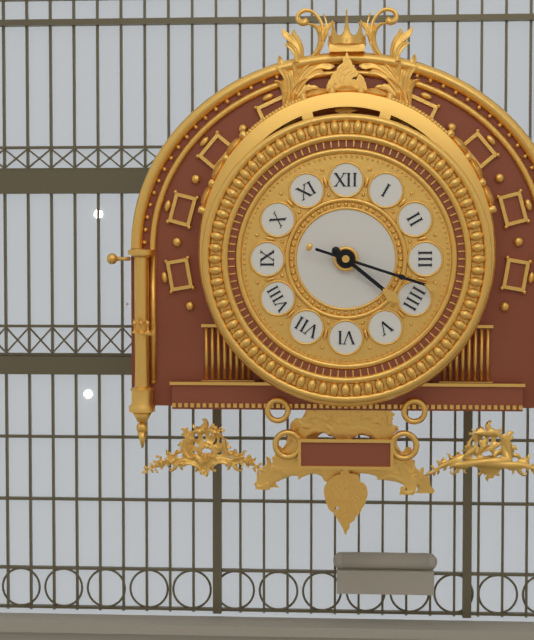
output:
4.18
